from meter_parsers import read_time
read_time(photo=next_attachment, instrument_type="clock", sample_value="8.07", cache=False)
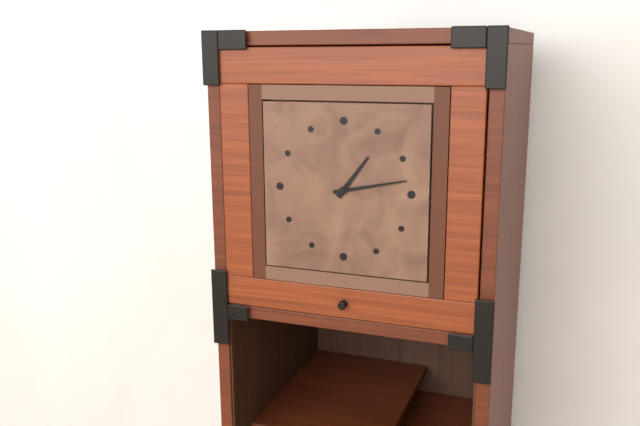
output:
1.13
